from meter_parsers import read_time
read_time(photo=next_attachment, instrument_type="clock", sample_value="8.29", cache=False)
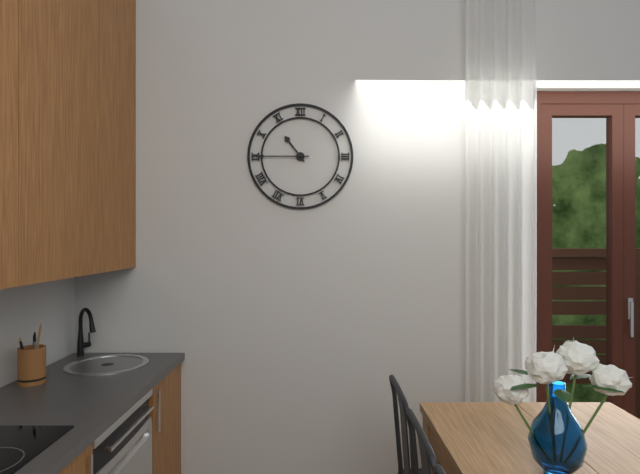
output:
10.45
